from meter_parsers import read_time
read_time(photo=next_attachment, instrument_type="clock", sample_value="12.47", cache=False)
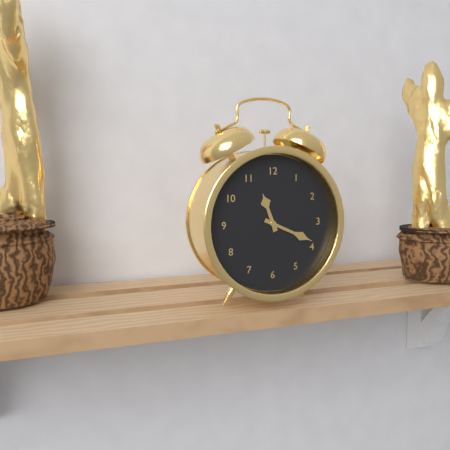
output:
11.19
